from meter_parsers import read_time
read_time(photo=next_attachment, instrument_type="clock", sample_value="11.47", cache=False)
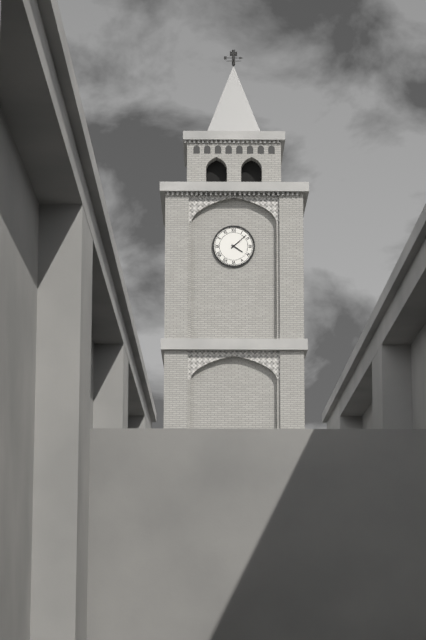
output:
4.08
